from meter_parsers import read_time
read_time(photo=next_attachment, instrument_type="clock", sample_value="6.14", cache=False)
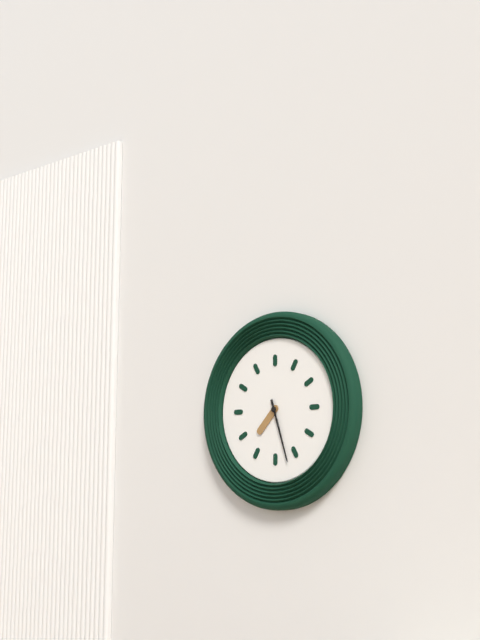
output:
7.27
